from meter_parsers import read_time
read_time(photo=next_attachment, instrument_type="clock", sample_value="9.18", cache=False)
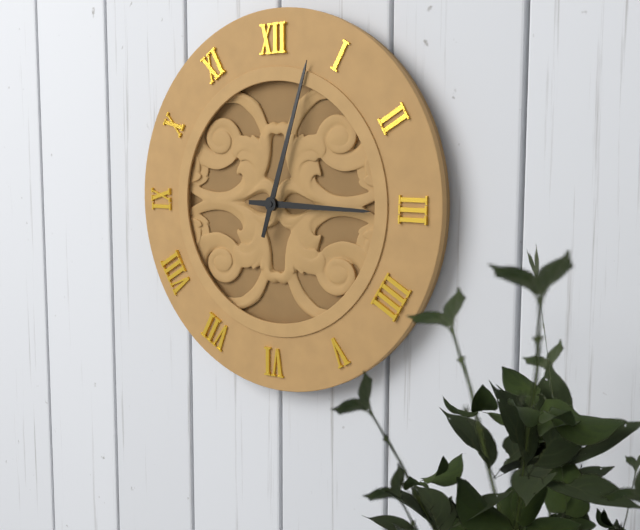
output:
3.03
